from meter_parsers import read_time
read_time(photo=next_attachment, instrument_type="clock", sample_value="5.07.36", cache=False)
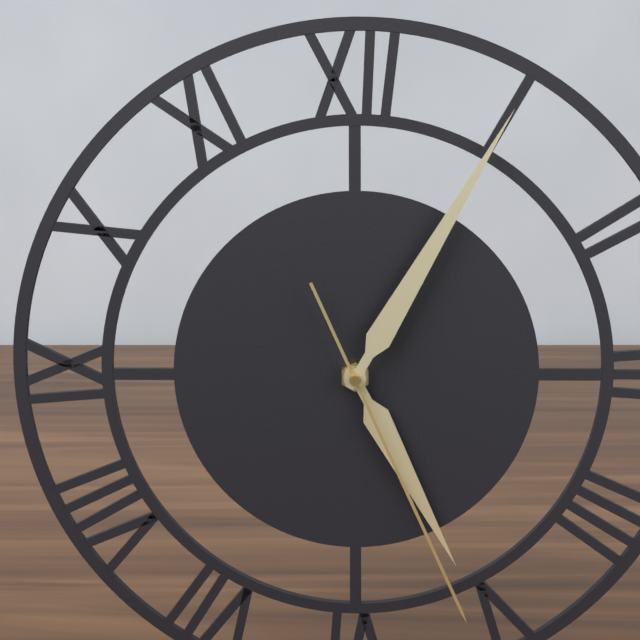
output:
5.05.26
